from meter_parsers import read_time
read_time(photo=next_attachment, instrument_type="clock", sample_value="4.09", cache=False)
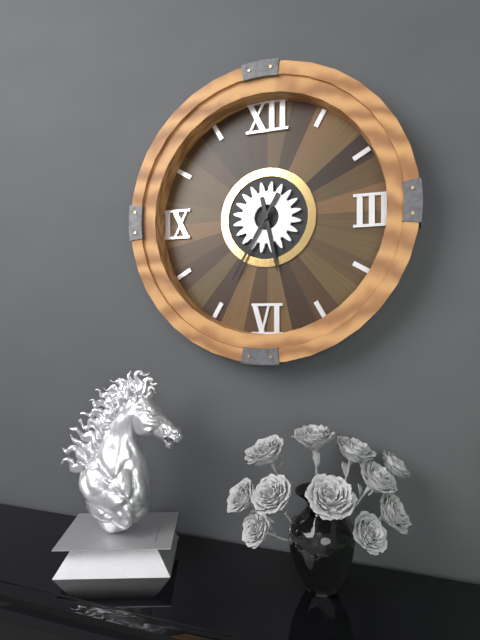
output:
5.35
